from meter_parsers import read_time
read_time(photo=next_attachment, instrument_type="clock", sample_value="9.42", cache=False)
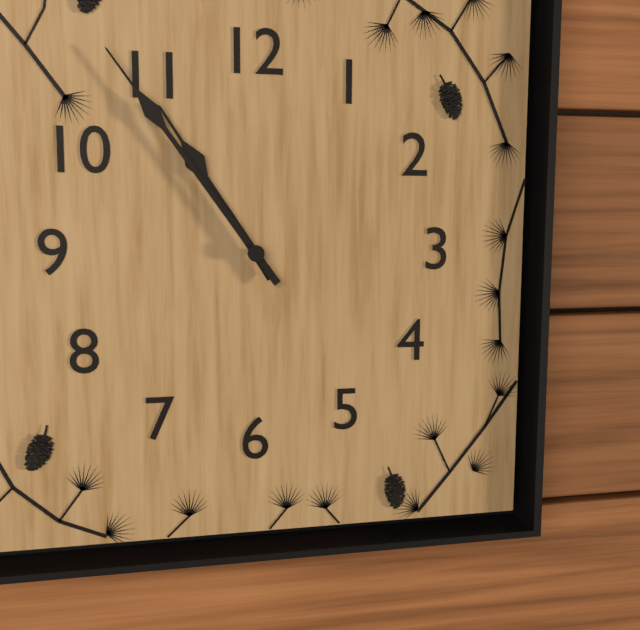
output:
10.54
